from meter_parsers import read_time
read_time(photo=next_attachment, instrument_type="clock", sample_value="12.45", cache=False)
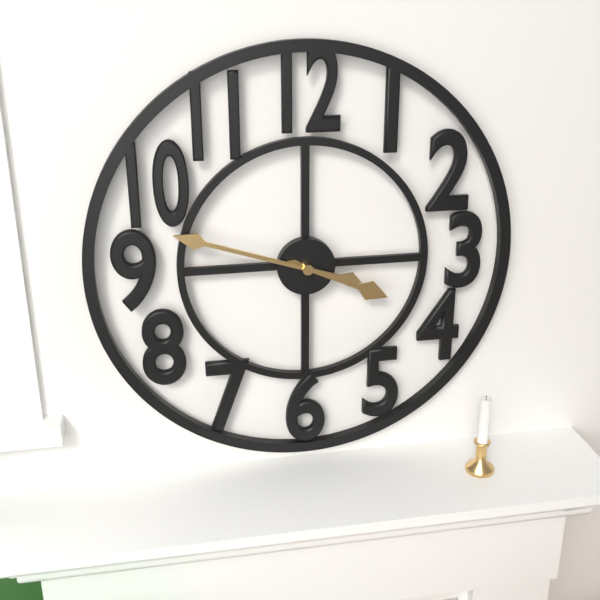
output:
3.48
